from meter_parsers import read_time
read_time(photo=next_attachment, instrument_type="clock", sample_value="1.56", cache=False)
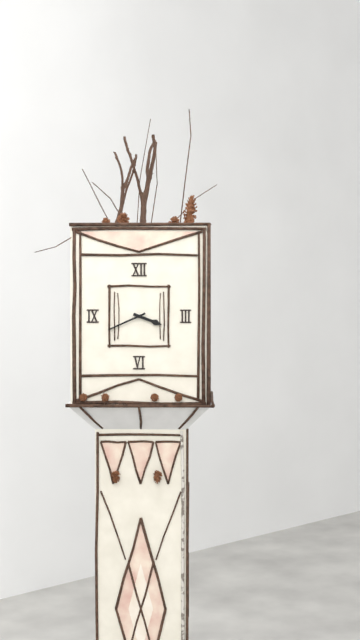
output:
3.41
